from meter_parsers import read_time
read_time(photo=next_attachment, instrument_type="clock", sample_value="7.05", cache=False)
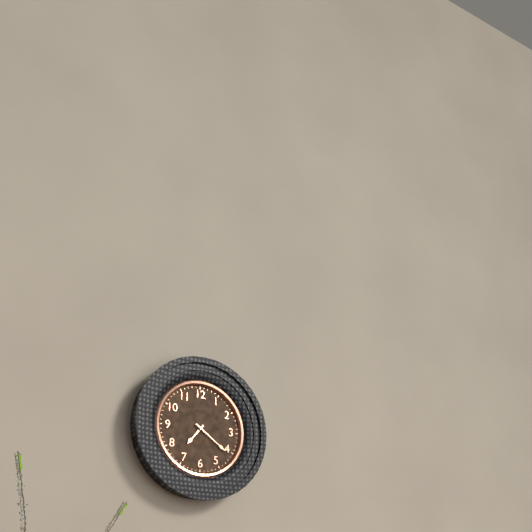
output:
7.21
